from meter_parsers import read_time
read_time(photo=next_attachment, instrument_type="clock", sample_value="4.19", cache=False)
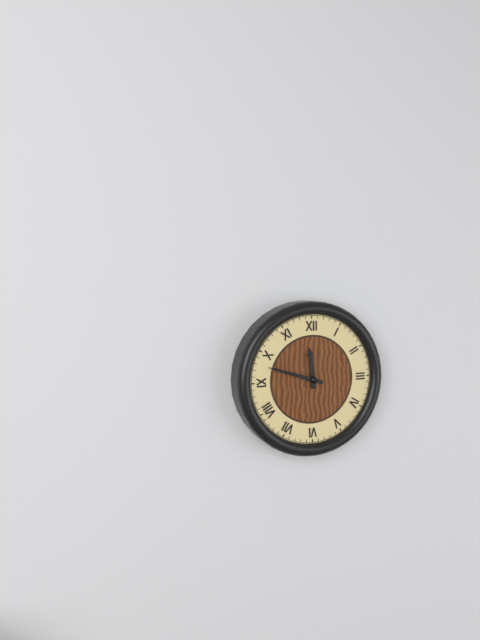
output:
11.48
